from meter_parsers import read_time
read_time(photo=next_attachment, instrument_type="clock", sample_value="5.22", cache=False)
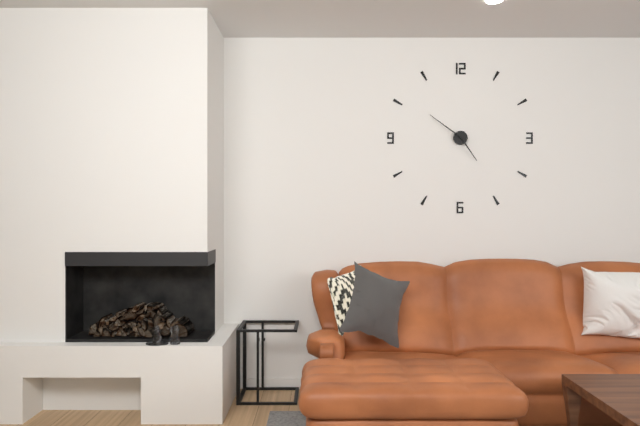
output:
4.51
